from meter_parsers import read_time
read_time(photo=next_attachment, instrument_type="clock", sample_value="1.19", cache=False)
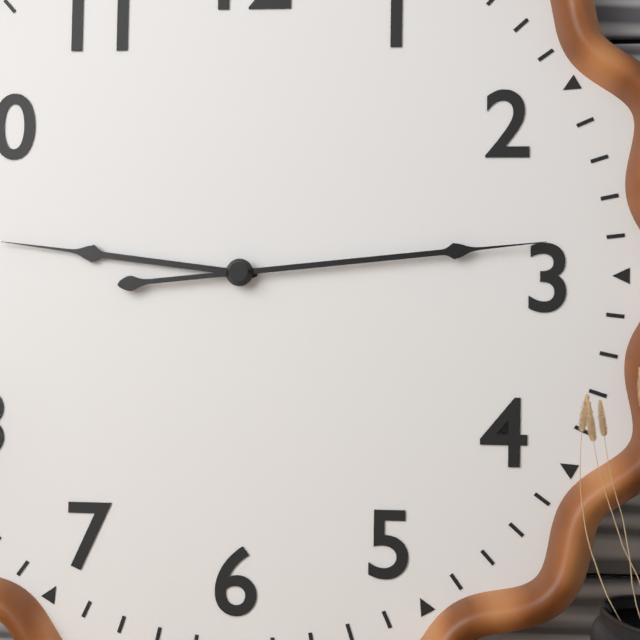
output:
9.14
